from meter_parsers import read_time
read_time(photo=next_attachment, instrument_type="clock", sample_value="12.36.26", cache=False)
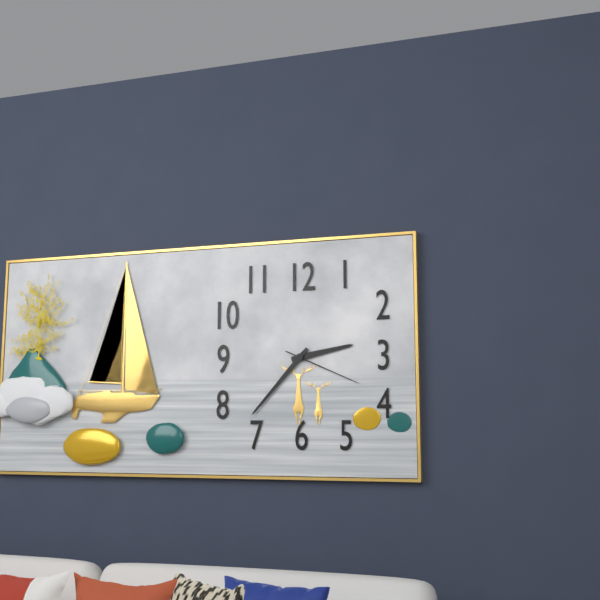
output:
2.37.19
